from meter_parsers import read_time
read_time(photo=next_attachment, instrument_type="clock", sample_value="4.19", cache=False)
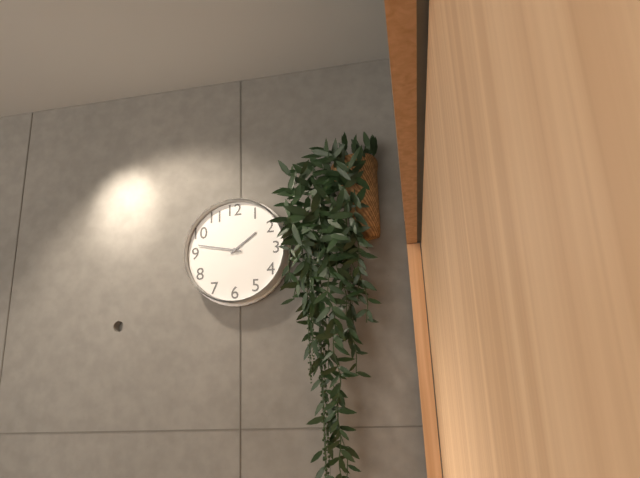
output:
1.47
